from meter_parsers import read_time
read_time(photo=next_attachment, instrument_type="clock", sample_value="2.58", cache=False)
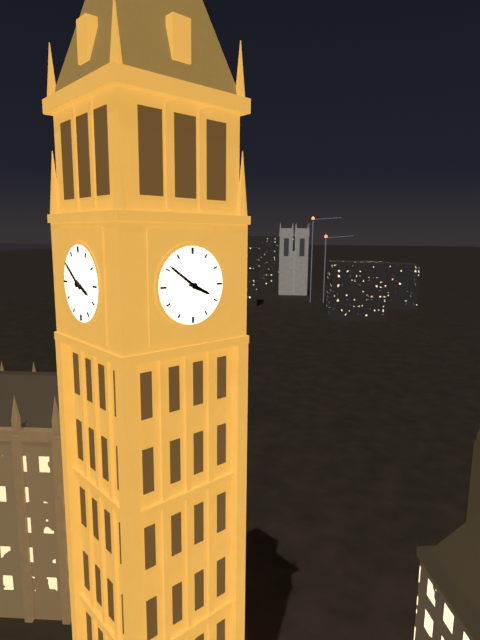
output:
3.51
